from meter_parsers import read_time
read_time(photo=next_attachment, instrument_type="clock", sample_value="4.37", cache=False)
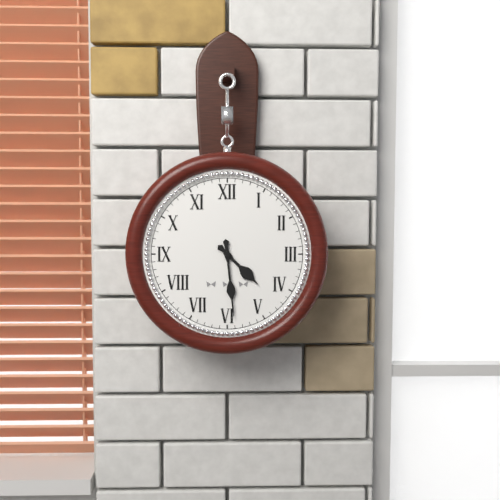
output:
4.29
